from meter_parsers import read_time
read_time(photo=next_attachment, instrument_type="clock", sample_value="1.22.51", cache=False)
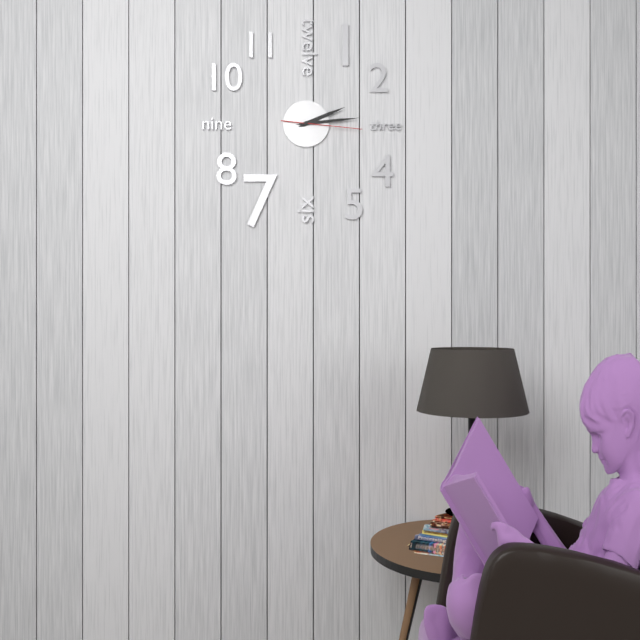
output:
2.14.16
